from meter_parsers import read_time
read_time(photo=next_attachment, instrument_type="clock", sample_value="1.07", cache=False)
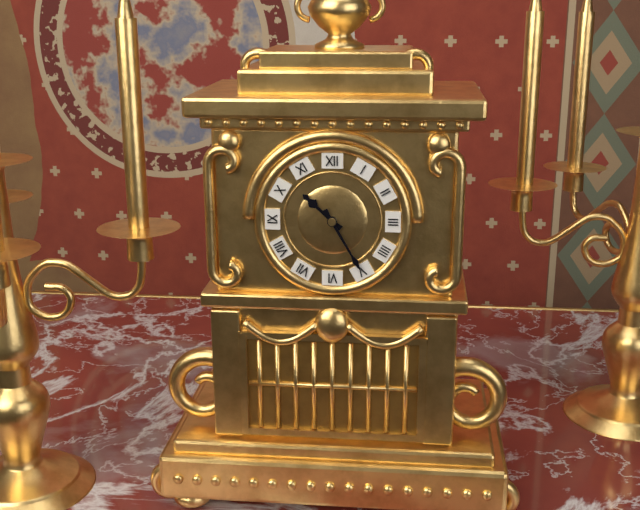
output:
10.25
